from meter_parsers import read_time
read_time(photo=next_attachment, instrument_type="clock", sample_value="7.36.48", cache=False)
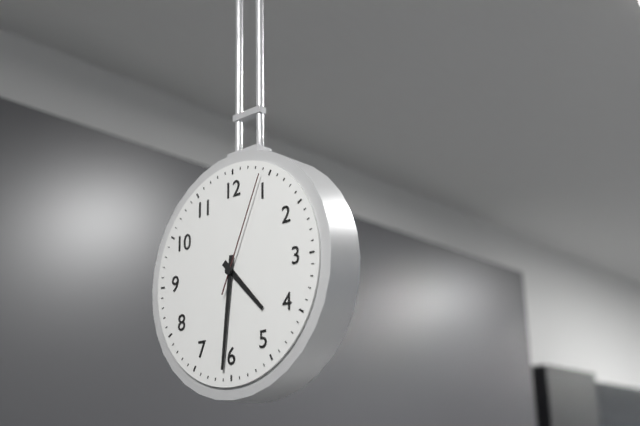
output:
4.31.04
